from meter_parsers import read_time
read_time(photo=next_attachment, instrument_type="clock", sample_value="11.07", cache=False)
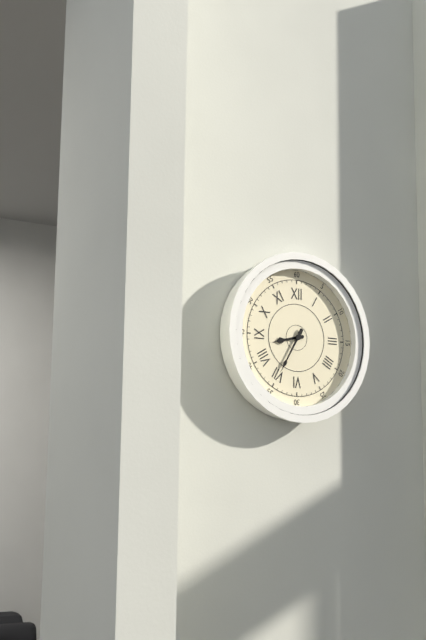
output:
8.35
